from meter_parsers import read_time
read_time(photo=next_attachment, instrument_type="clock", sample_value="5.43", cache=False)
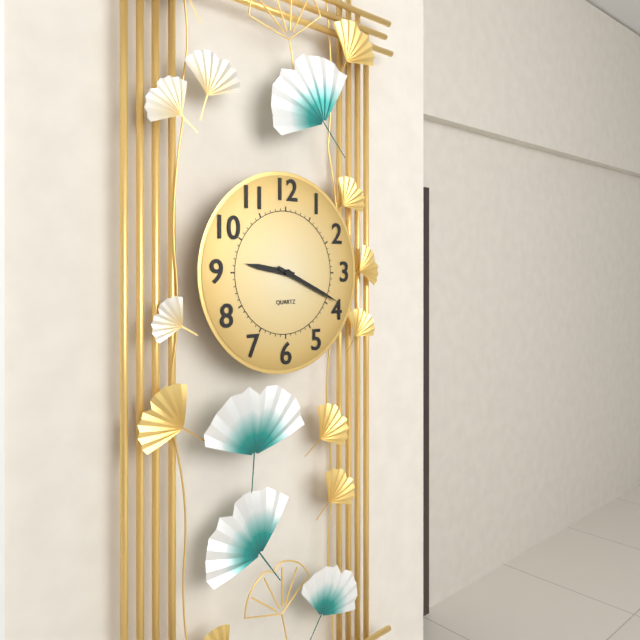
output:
9.19
